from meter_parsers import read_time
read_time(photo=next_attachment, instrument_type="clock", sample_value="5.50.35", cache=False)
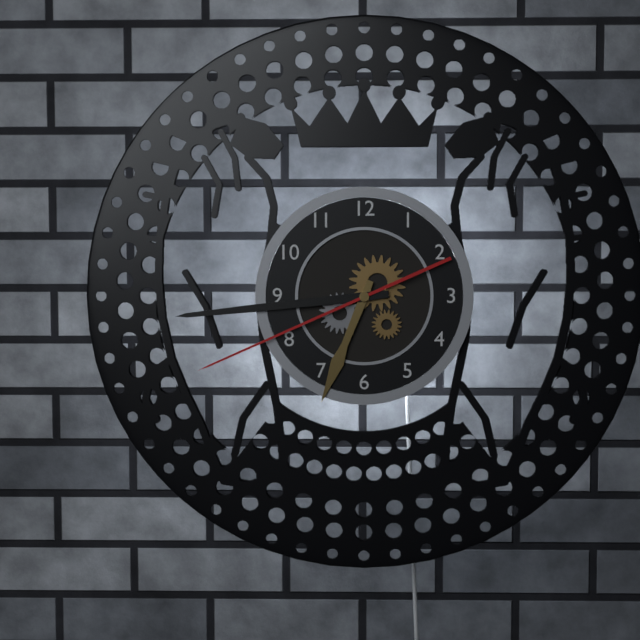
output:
6.44.41
